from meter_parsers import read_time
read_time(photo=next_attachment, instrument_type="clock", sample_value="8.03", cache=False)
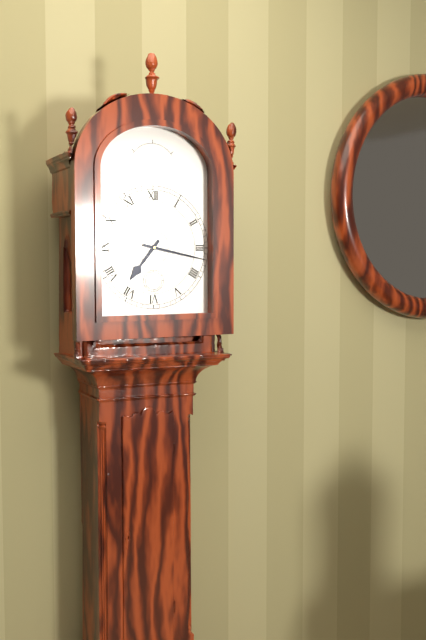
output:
7.17
